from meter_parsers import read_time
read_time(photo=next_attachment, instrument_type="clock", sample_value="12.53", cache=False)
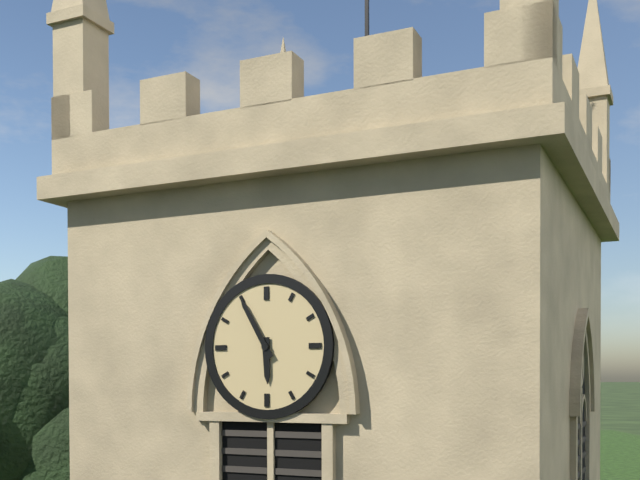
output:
5.55
